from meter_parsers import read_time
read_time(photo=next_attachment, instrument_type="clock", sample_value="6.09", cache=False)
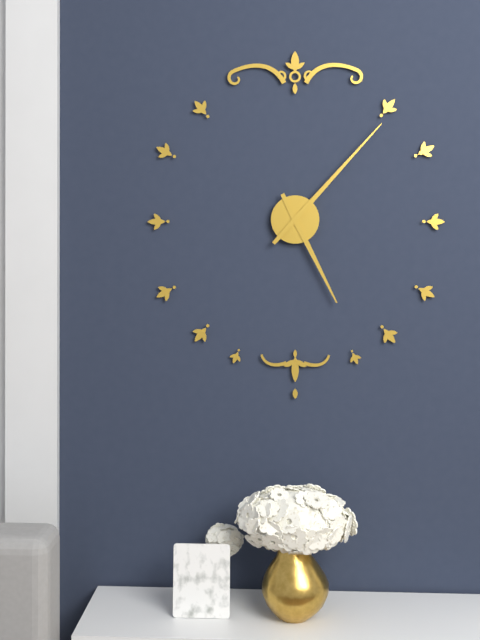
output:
5.07
